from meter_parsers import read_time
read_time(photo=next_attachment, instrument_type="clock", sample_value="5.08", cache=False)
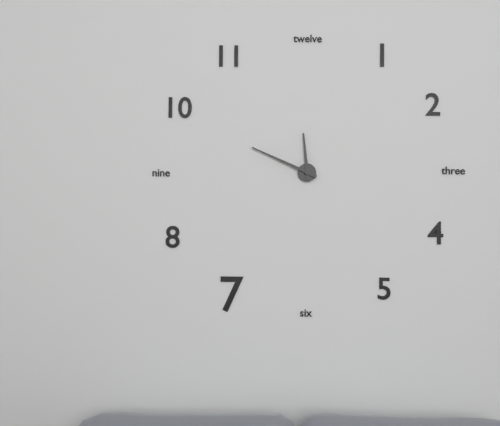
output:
11.49
